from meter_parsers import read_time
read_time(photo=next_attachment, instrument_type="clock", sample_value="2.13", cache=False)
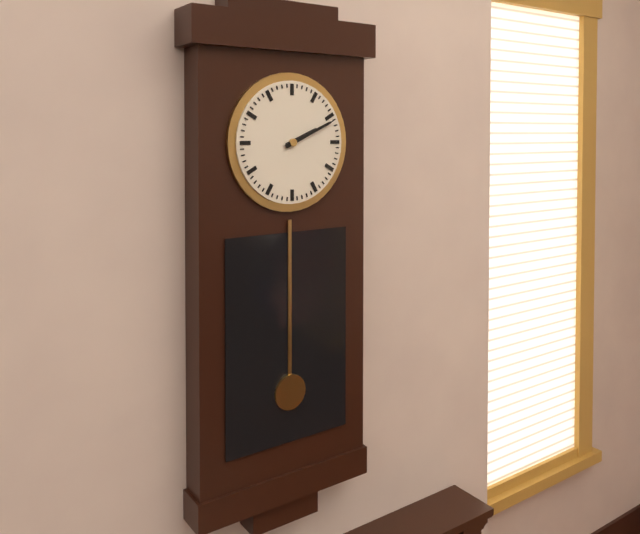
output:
2.11
